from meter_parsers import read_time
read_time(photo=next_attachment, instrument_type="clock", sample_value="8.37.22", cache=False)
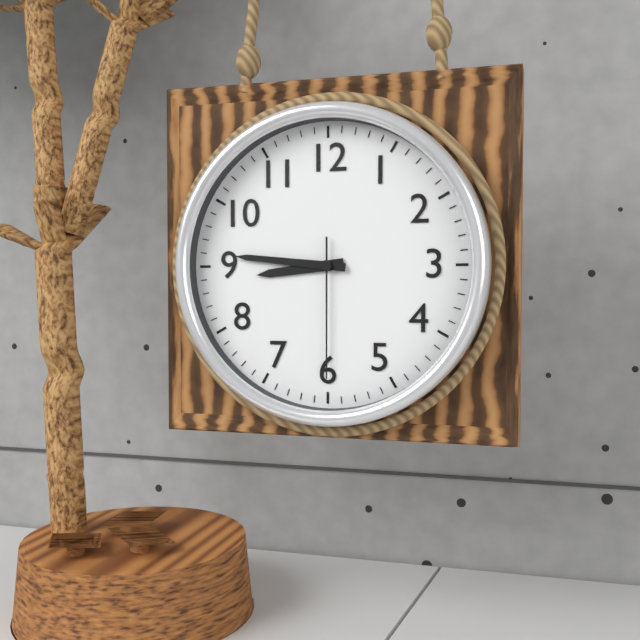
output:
8.46.30
